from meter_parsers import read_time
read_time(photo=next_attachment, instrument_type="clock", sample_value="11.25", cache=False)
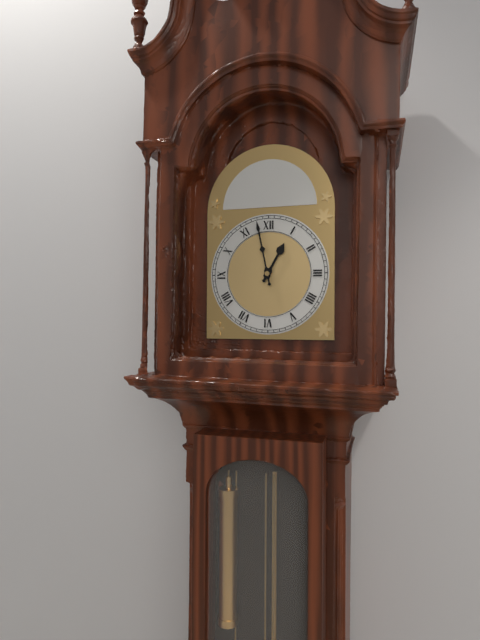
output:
12.58
